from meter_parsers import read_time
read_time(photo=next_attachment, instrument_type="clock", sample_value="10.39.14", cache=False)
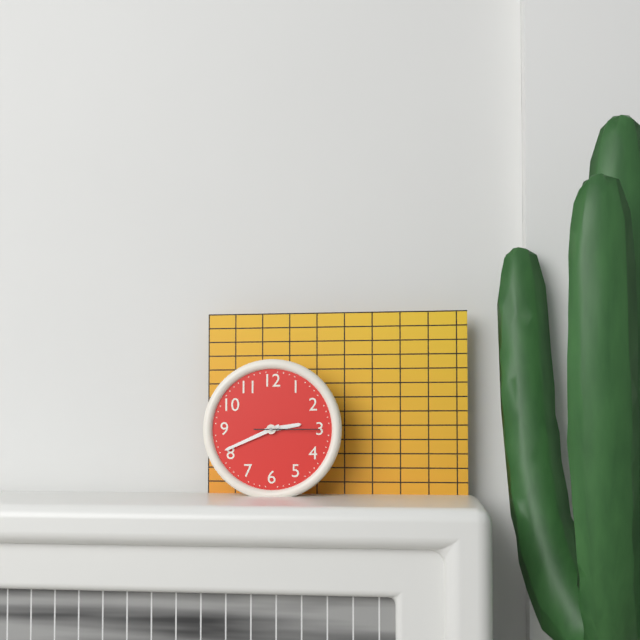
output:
2.41.15
